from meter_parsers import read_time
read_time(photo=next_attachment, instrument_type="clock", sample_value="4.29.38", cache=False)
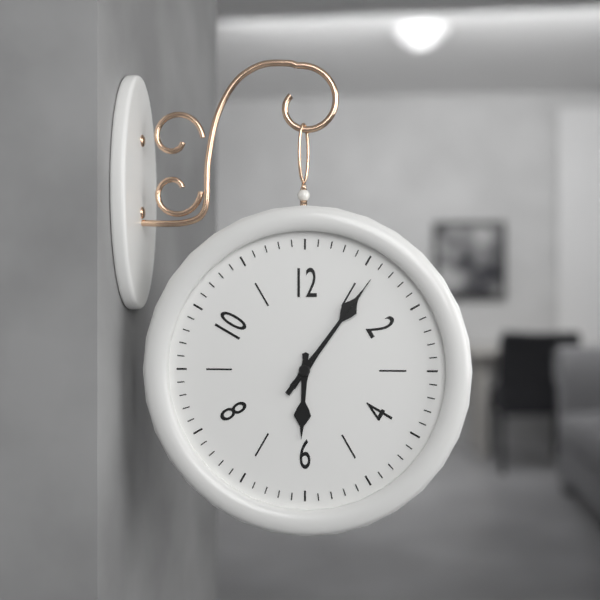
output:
6.06.06
